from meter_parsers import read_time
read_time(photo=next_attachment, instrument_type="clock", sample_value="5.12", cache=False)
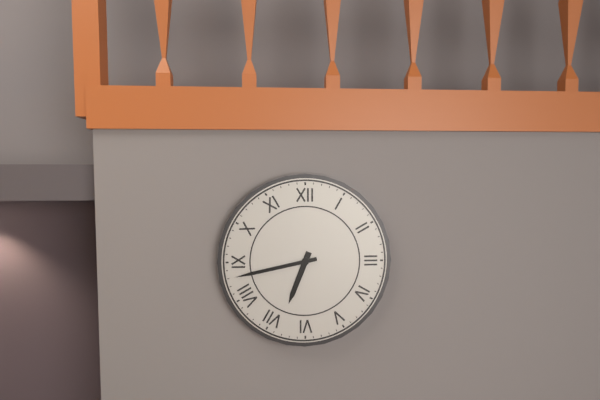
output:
6.43
